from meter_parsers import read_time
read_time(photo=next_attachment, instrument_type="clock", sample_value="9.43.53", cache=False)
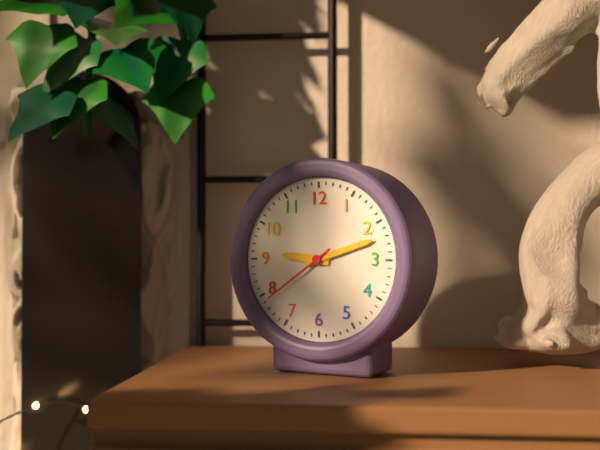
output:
9.12.39
